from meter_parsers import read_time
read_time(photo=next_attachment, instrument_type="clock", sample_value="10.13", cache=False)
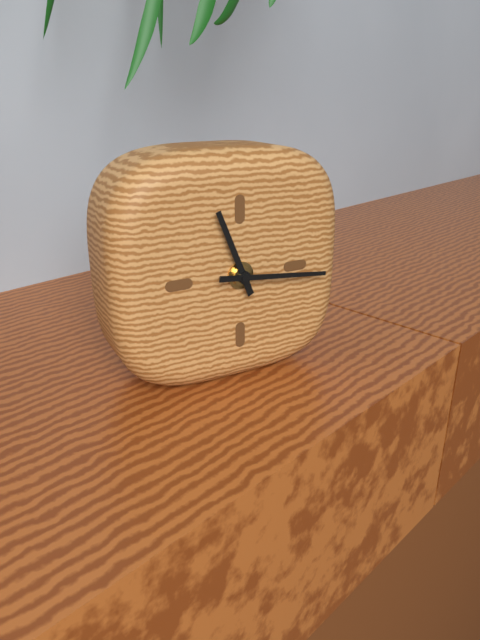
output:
11.16
